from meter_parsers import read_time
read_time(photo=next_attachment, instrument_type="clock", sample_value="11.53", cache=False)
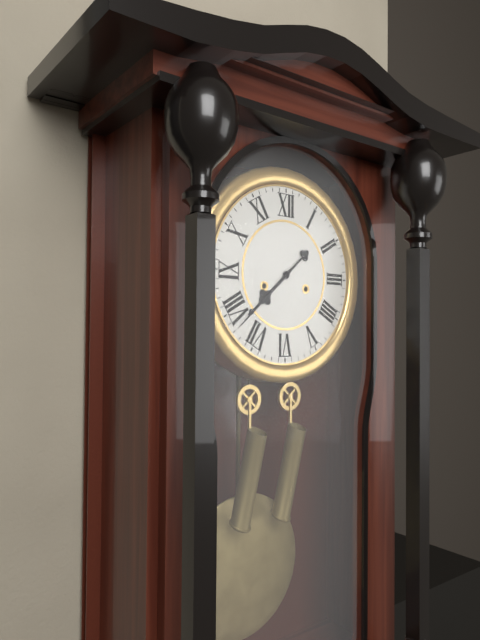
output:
7.38
